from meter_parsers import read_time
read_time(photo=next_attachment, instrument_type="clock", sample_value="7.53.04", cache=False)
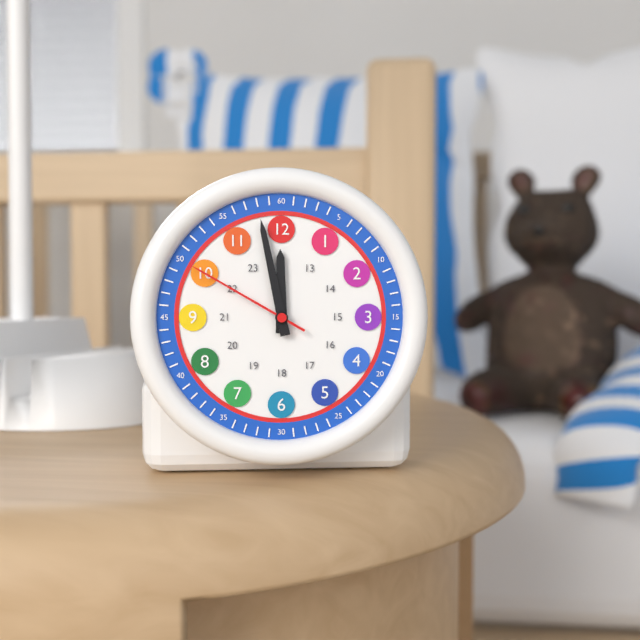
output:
11.58.50
